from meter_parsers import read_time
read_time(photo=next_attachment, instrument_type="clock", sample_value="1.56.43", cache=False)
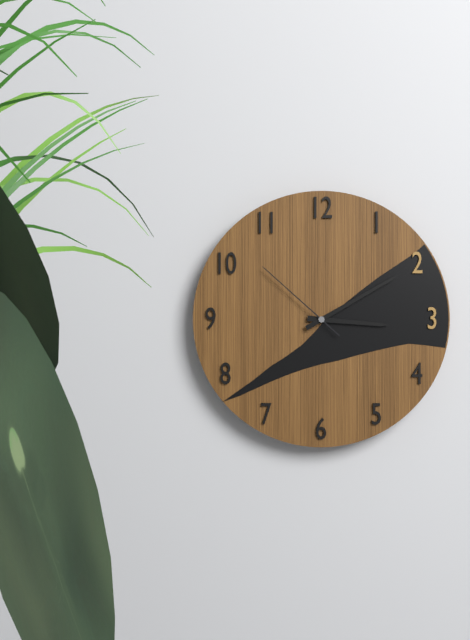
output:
3.10.52
